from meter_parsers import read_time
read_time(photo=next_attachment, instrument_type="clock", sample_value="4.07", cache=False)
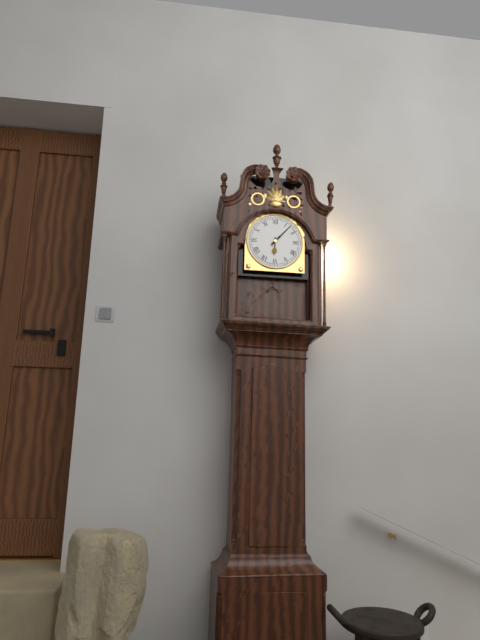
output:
6.07
